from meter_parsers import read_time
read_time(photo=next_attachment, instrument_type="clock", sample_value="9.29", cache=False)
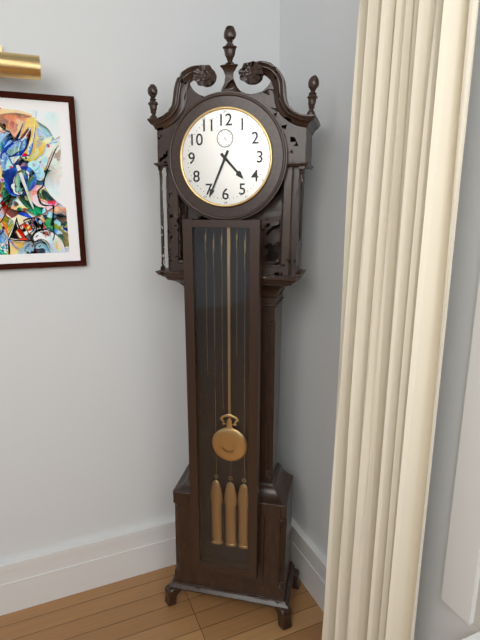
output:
4.34
